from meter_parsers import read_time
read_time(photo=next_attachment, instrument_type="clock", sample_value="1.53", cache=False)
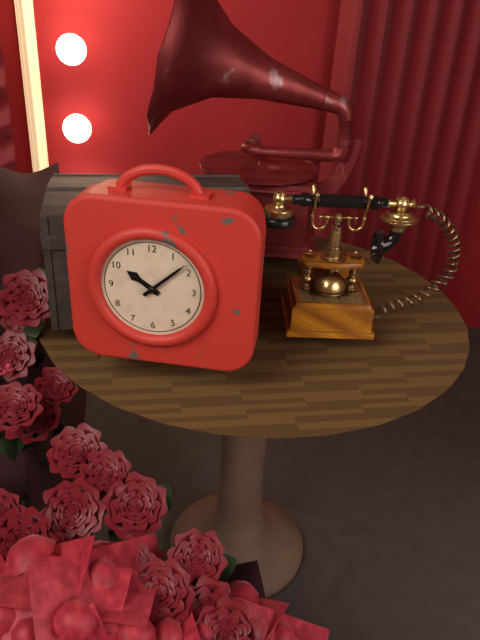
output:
10.08
